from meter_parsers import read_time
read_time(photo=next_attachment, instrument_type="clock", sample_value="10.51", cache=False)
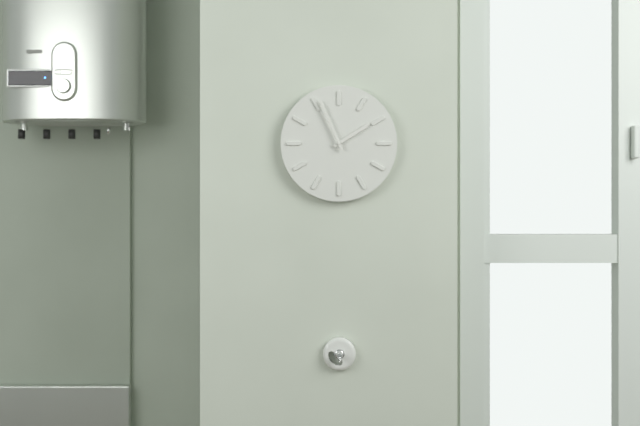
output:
1.56
